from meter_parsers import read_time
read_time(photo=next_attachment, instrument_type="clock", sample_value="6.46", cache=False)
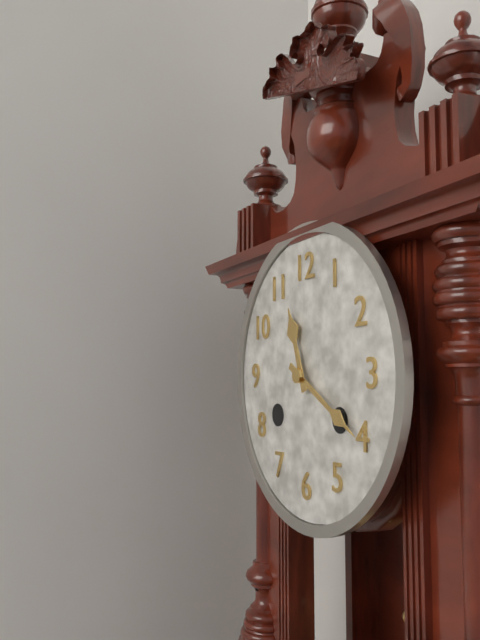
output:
11.20
